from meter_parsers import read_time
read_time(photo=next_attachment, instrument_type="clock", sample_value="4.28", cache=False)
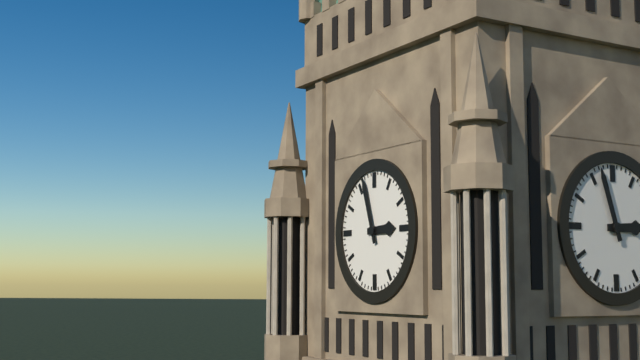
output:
2.57
